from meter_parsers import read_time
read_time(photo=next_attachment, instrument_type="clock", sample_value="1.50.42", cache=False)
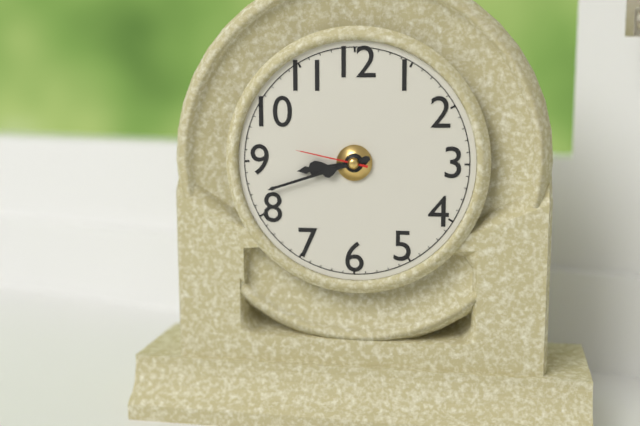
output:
8.42.47
